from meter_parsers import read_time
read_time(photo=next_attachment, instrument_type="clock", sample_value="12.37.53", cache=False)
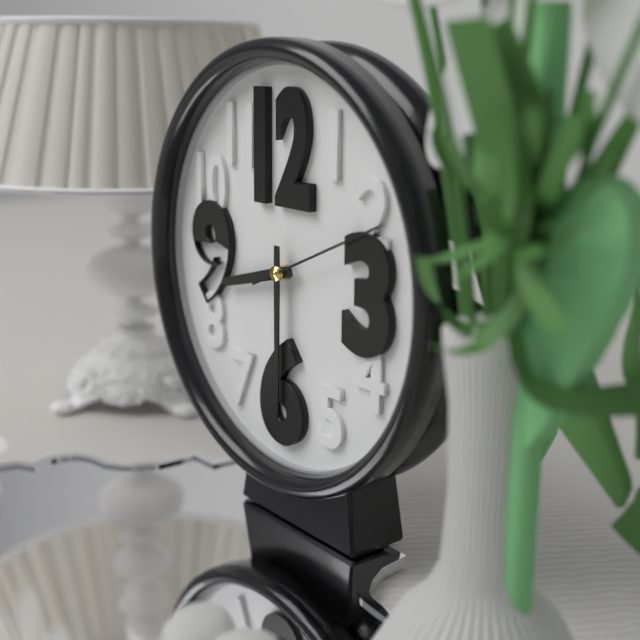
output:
8.30.11
